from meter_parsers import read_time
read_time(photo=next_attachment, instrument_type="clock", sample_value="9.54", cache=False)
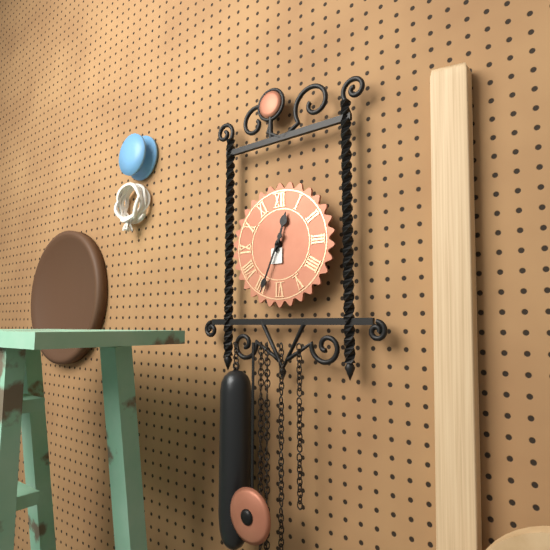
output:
12.34
